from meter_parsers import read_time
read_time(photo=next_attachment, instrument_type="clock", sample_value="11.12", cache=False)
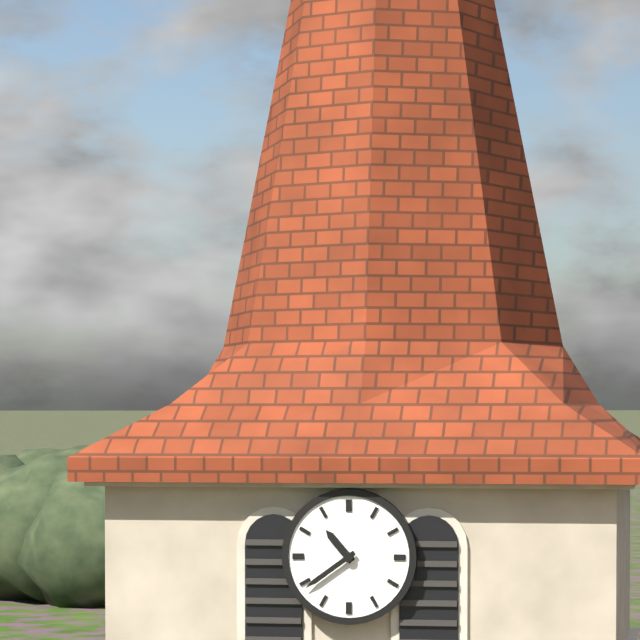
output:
10.39
